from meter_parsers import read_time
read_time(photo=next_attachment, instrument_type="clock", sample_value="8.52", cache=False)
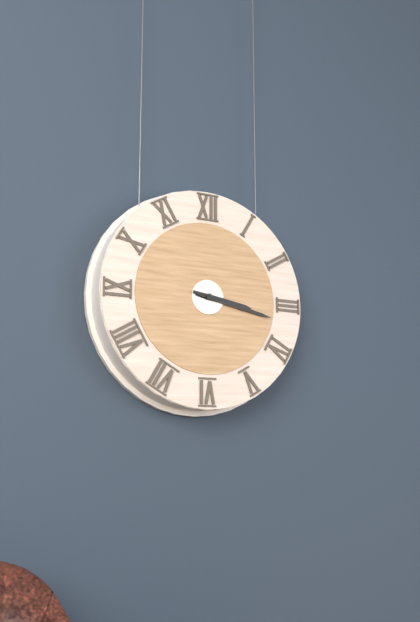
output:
3.17
